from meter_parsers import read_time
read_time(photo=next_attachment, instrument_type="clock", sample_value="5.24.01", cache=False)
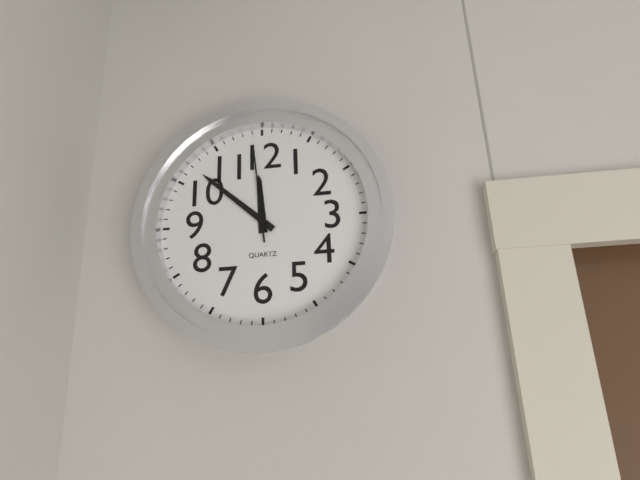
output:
11.52.59
